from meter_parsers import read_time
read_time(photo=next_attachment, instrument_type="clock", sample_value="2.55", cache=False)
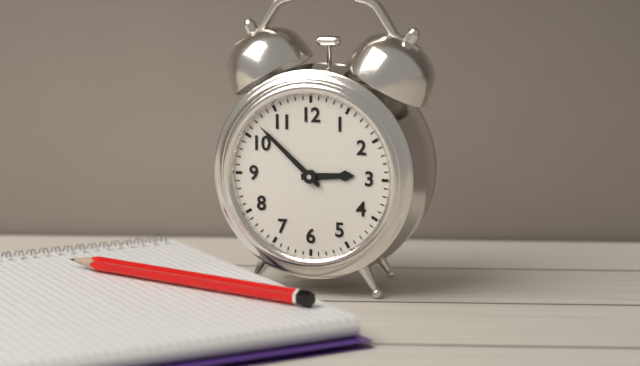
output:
2.52
